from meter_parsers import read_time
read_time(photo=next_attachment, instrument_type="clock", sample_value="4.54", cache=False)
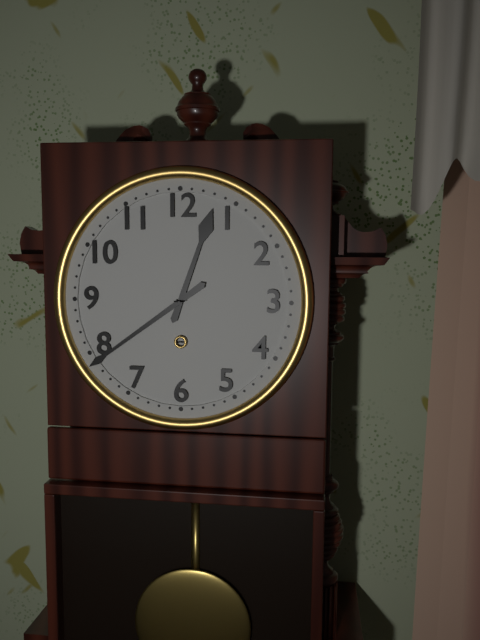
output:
12.39
